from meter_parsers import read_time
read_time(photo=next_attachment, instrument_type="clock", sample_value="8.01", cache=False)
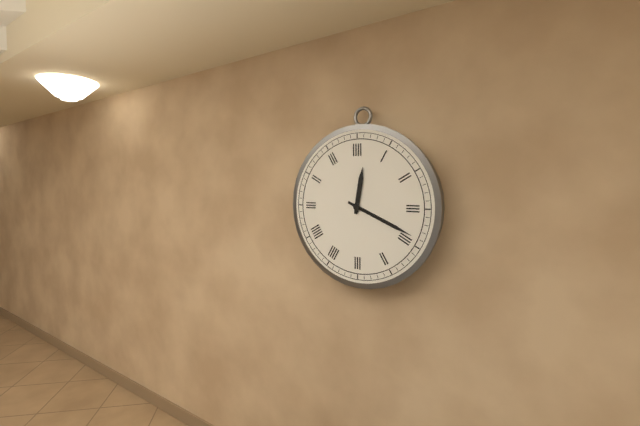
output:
12.19
